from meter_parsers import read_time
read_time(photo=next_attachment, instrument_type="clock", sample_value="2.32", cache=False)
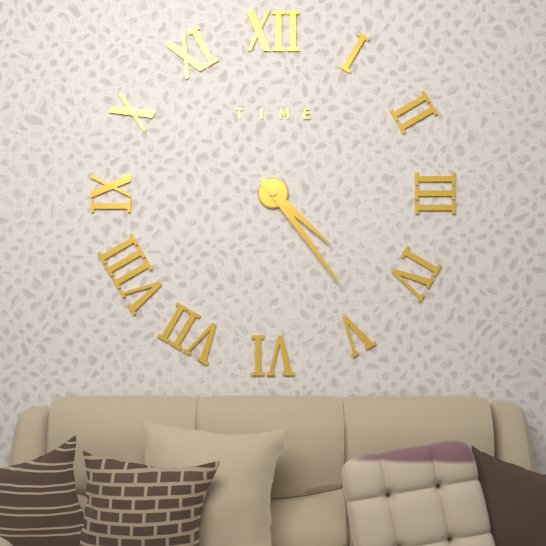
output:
4.24
